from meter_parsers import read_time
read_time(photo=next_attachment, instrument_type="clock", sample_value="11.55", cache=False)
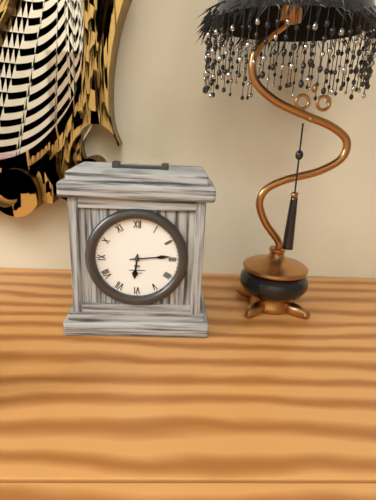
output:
6.14
